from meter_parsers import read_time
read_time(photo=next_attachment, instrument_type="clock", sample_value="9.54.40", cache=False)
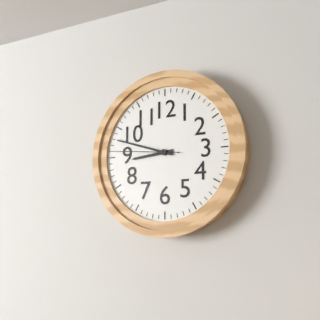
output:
8.48.46
